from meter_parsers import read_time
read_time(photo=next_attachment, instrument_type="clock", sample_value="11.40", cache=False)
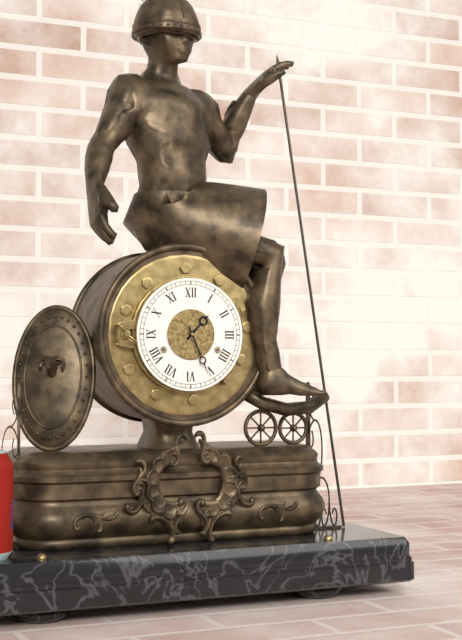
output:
1.26
